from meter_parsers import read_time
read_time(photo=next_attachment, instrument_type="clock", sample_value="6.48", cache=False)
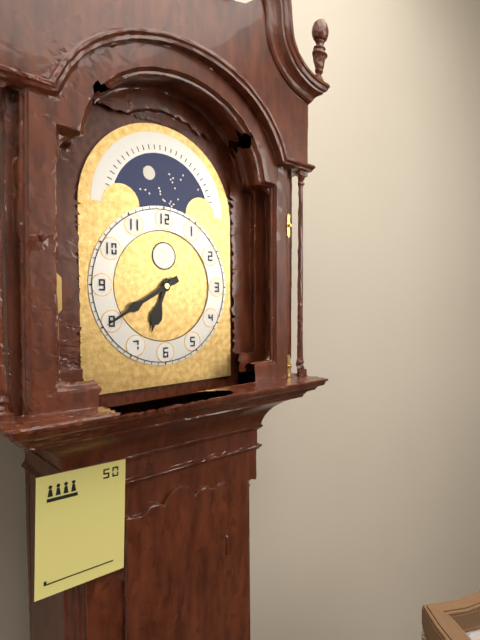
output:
6.40
